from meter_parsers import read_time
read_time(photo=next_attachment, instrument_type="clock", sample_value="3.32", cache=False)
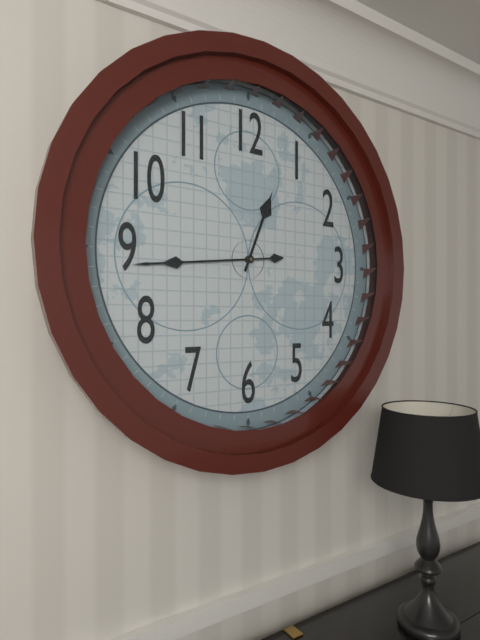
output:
12.44
